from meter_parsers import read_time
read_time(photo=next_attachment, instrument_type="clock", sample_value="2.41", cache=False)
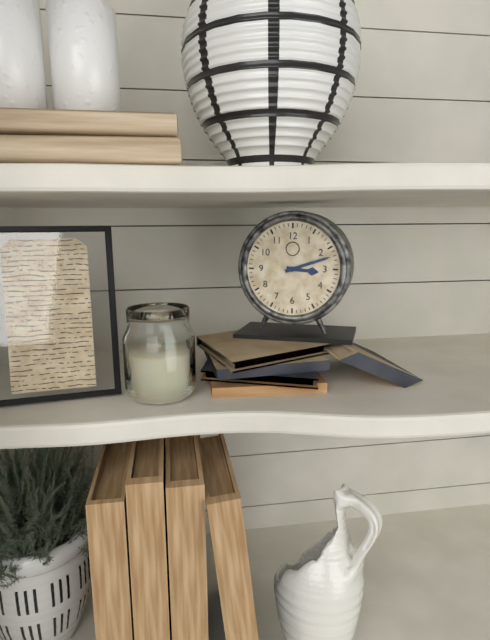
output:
3.12
